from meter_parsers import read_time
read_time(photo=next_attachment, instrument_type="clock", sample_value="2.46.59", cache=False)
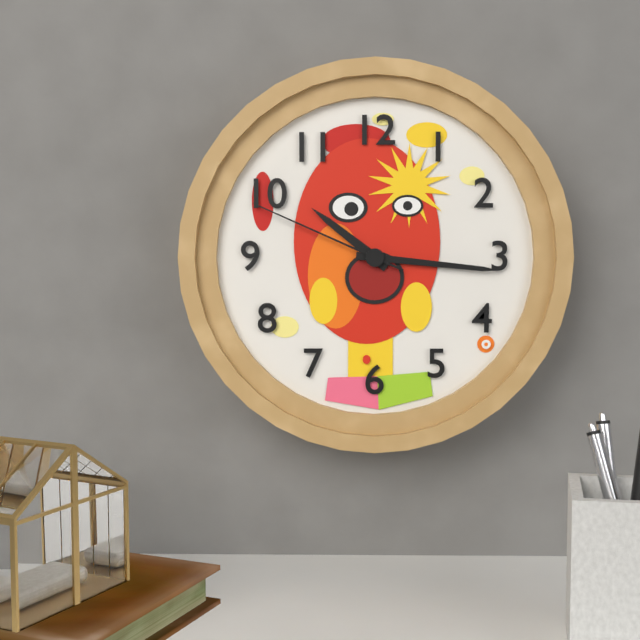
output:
10.16.49
